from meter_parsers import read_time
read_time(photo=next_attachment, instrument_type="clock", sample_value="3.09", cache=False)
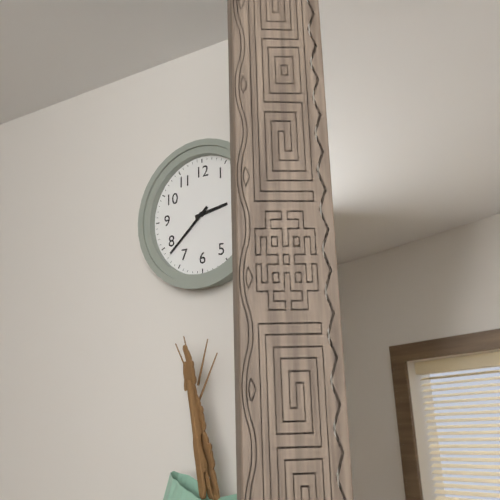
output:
2.38
